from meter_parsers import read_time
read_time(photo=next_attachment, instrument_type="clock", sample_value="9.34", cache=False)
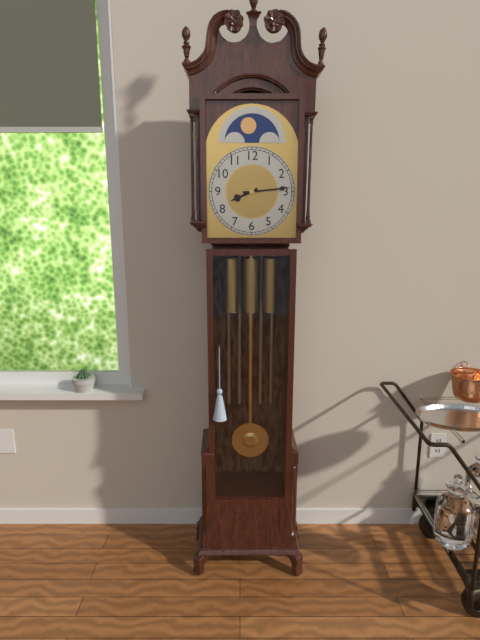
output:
8.14
